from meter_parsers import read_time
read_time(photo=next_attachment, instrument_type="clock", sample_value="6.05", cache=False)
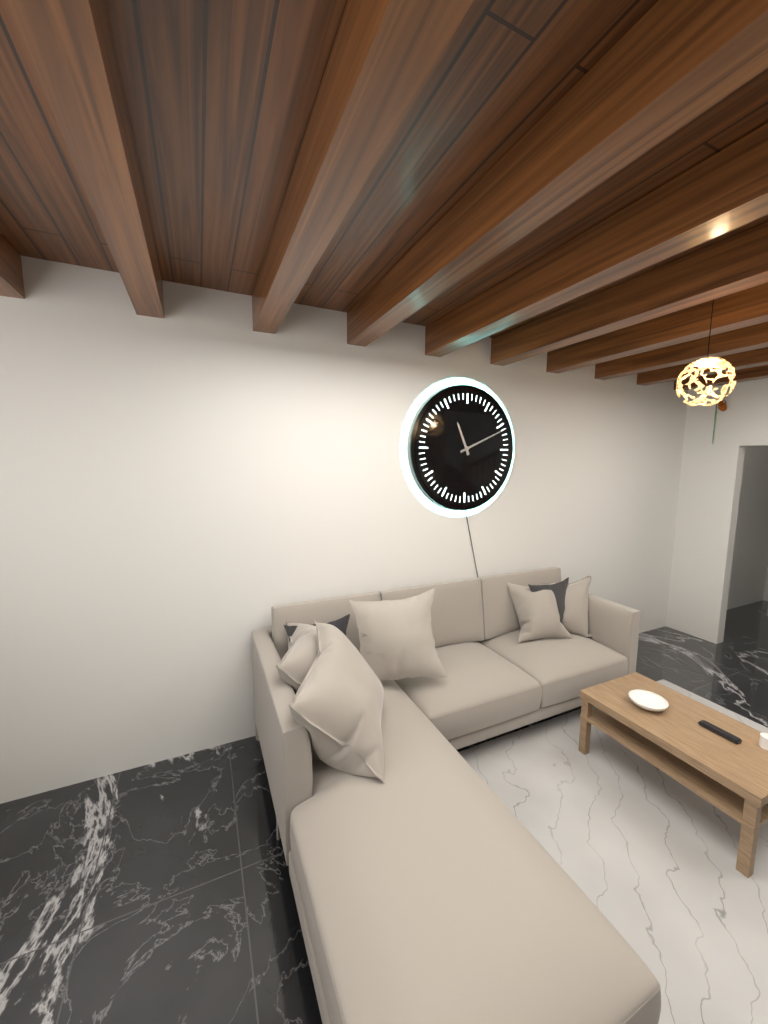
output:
11.11
